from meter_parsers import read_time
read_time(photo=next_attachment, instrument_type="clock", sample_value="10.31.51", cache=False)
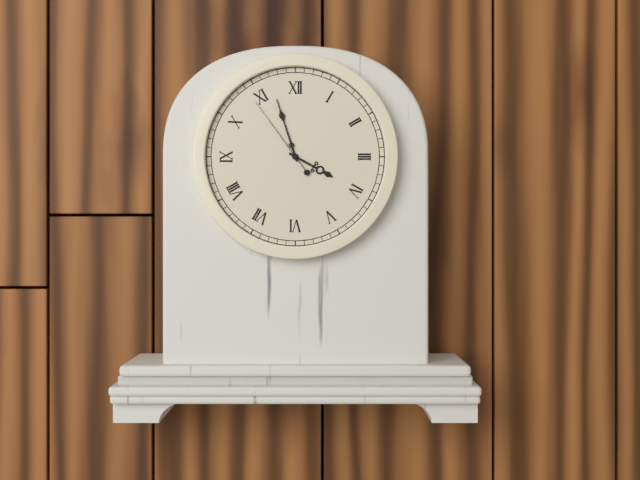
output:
3.57.54
